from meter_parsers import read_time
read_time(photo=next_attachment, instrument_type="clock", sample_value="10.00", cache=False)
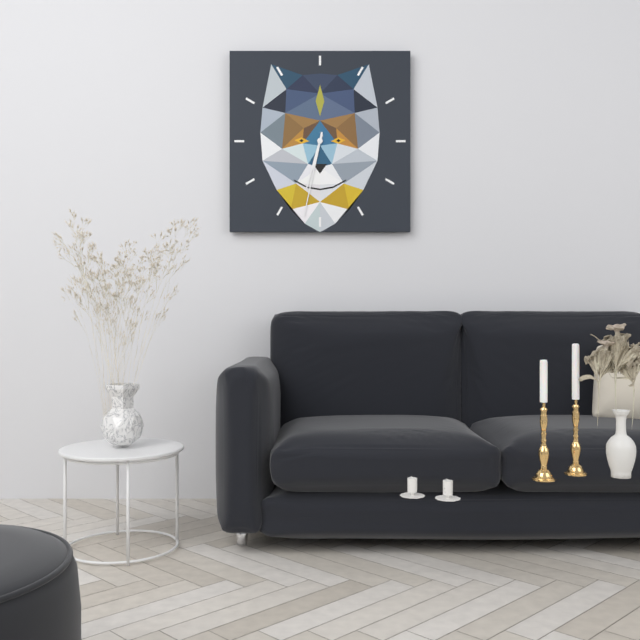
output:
6.32
